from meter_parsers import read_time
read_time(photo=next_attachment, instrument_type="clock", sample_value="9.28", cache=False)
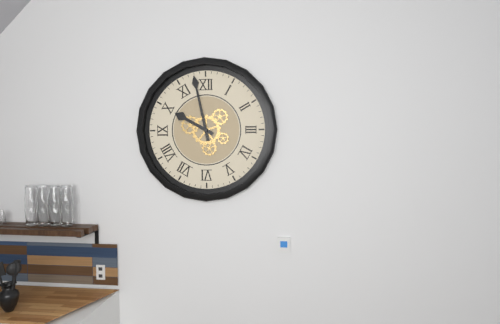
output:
9.58
